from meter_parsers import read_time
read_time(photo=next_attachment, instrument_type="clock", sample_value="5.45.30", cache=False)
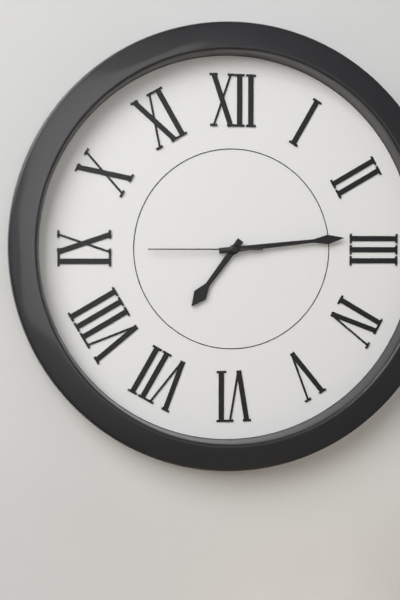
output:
7.14.45
